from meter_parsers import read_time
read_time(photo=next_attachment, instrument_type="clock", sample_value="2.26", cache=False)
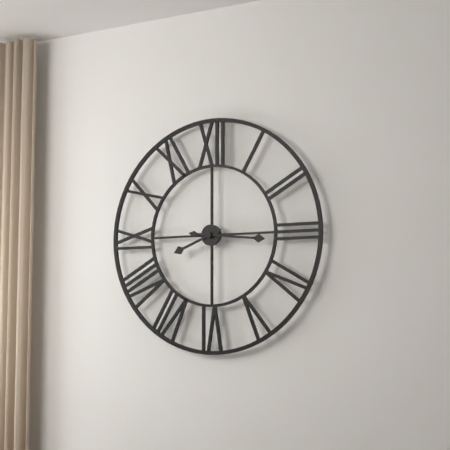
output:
8.16
